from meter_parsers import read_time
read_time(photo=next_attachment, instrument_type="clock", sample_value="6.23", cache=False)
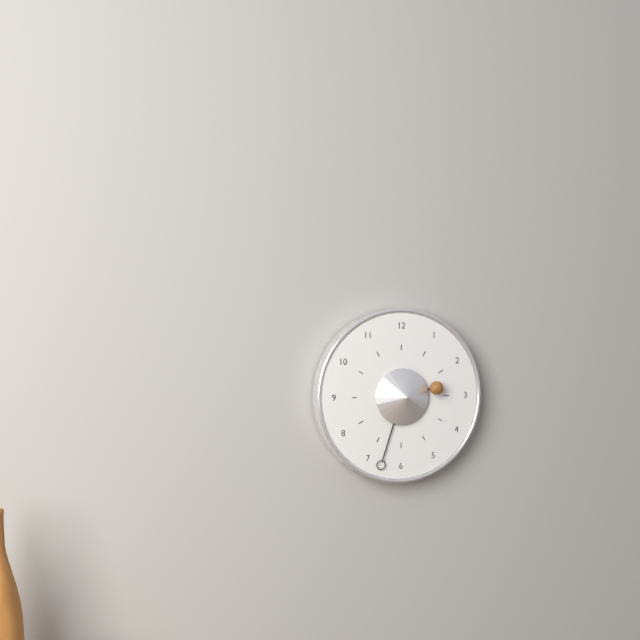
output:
2.33
